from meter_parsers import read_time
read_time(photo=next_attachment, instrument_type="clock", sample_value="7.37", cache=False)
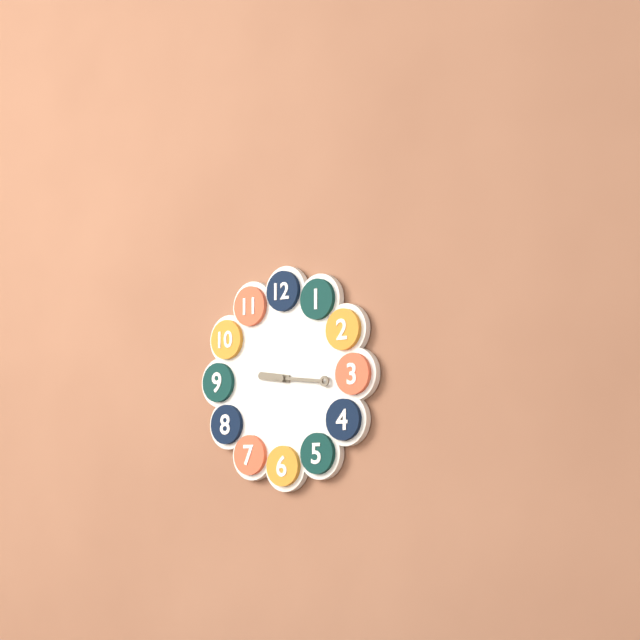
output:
9.16
